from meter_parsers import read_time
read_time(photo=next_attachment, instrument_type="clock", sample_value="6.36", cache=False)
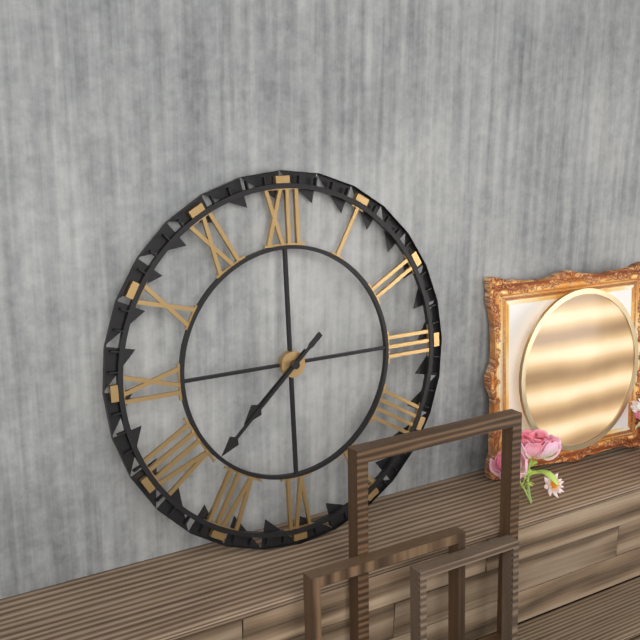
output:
7.38
